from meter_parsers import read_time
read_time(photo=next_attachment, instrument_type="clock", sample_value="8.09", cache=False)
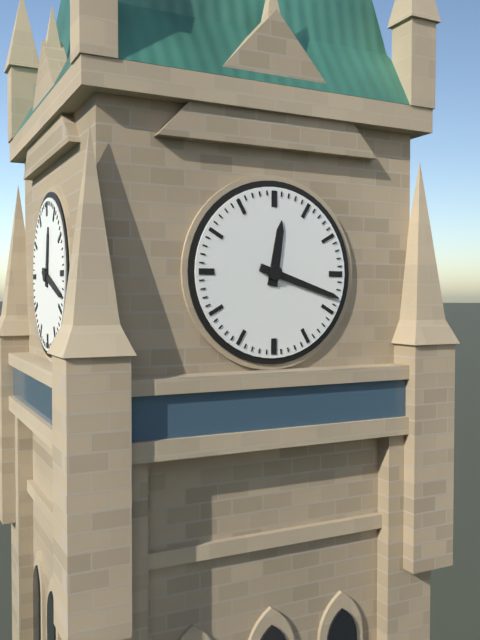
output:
12.18
